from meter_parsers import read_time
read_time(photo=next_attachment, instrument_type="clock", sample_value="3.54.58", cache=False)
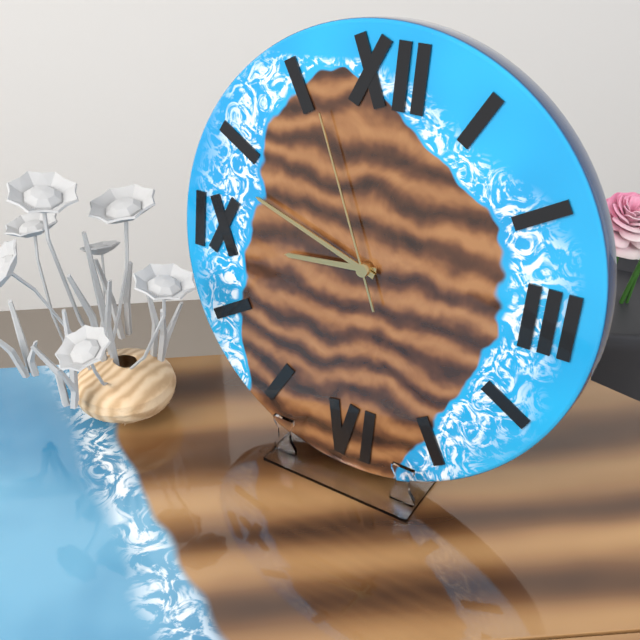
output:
8.48.56
